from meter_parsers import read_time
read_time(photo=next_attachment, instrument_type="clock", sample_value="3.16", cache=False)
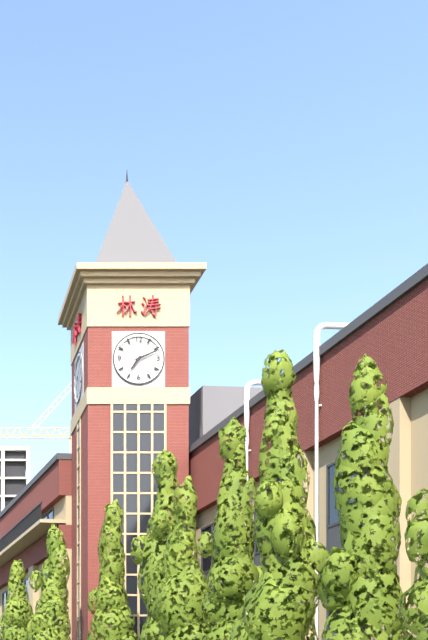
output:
7.11
